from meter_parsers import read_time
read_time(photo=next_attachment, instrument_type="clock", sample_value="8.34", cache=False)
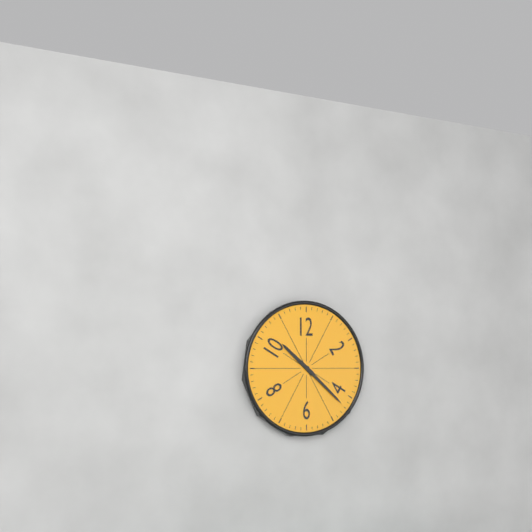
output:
10.22
